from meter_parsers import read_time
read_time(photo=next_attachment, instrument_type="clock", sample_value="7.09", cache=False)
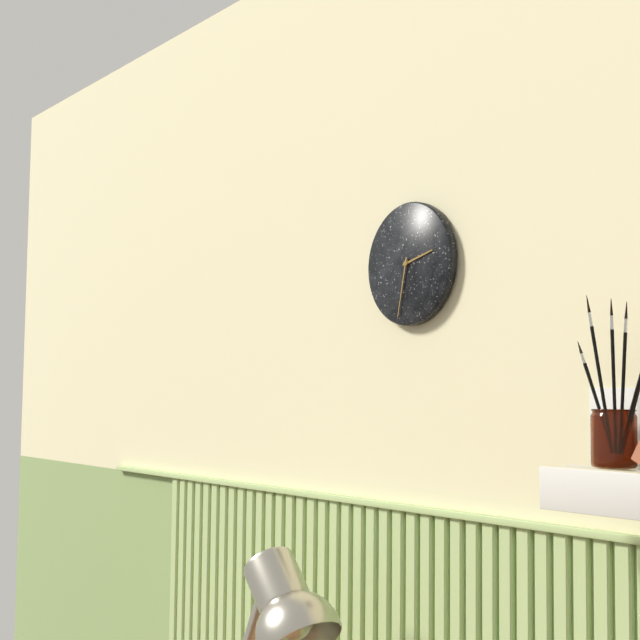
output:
2.32
